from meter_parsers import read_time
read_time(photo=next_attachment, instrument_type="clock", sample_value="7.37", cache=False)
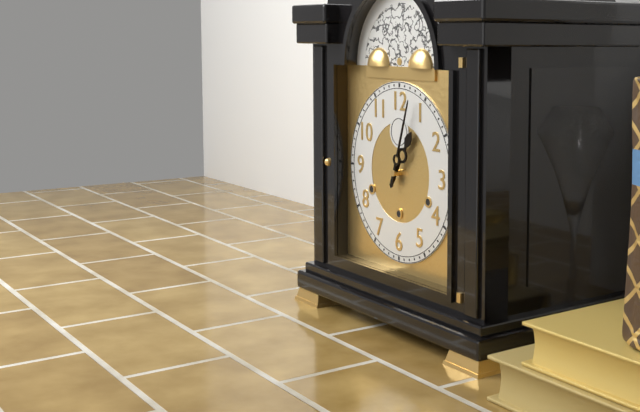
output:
1.03
